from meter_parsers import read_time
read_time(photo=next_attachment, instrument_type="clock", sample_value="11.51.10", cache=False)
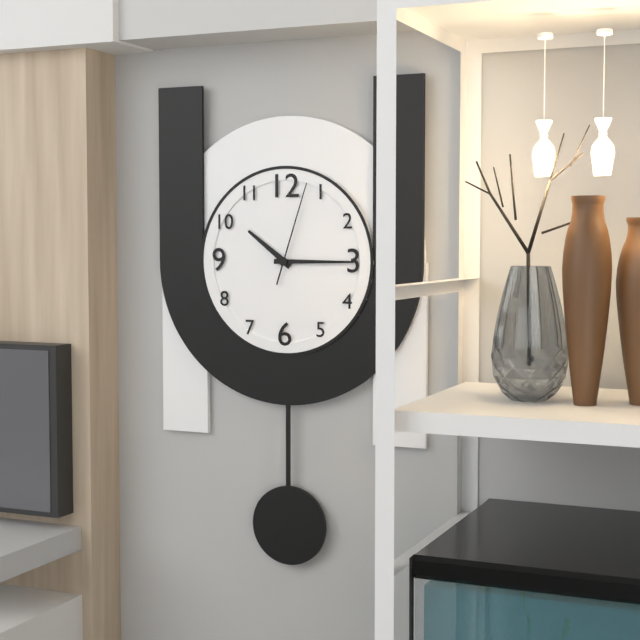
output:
10.15.03
